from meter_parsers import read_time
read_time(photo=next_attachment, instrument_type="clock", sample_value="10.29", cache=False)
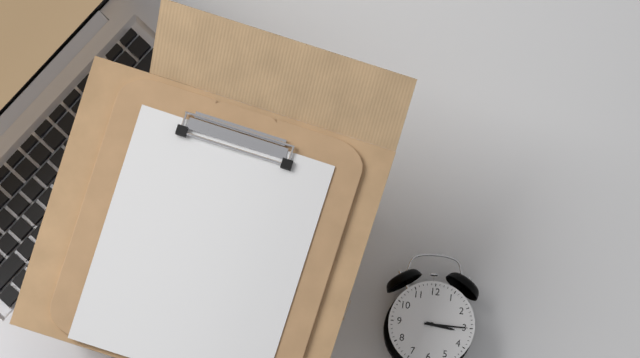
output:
3.15
